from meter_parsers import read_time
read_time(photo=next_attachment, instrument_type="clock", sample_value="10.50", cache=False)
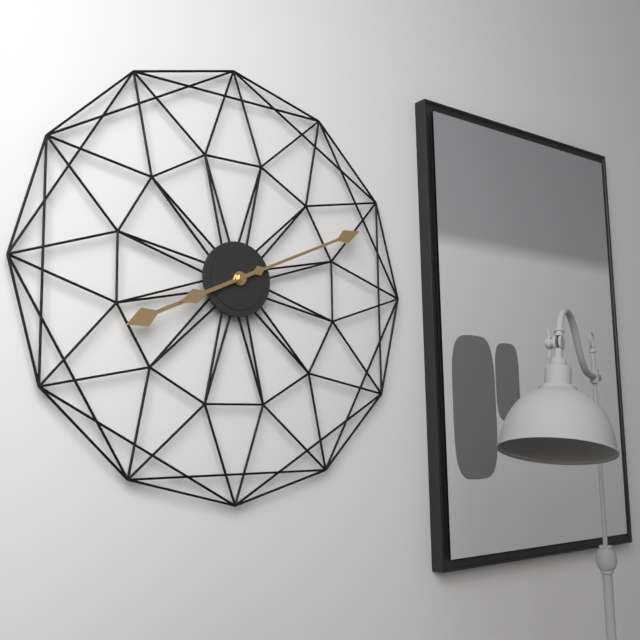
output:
8.11
